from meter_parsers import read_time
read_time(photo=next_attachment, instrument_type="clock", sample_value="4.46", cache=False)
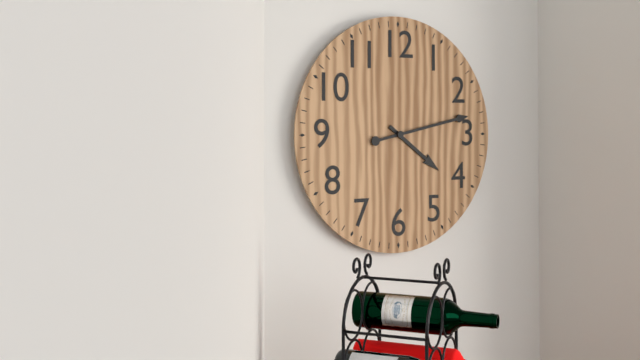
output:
4.13
